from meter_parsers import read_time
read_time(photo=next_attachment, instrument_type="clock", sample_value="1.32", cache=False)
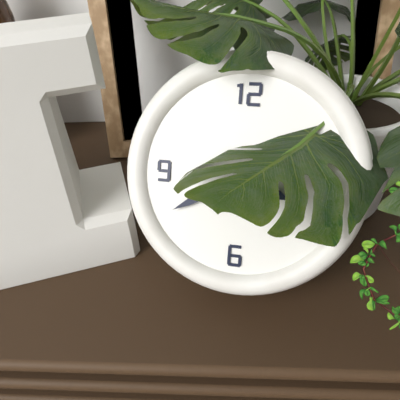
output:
3.40
